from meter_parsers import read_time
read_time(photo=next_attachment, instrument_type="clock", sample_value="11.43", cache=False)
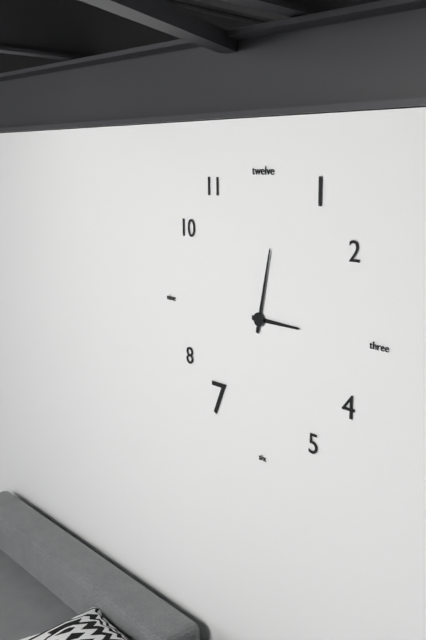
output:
3.02
